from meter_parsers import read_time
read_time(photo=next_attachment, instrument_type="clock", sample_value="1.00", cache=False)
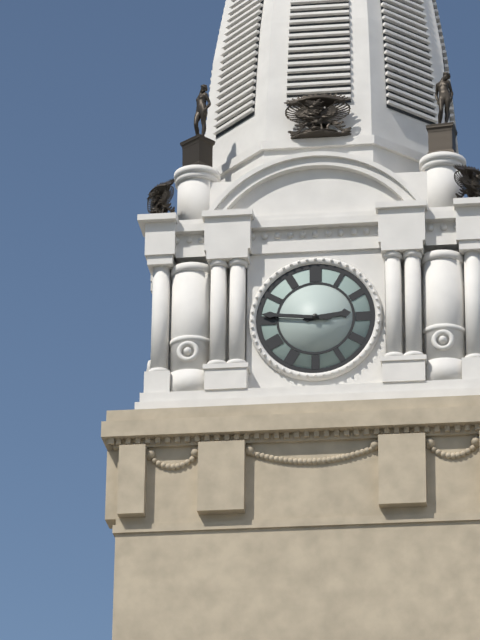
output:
2.46
